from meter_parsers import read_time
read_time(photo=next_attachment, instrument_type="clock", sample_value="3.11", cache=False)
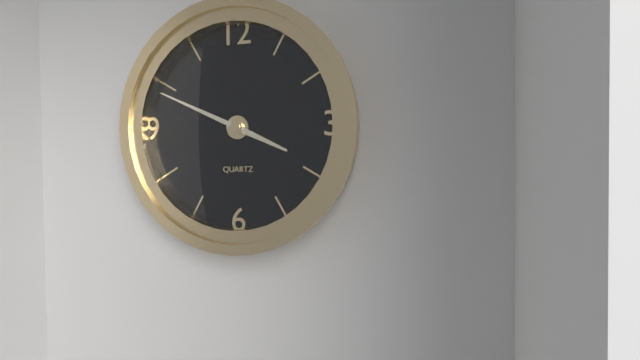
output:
3.49
